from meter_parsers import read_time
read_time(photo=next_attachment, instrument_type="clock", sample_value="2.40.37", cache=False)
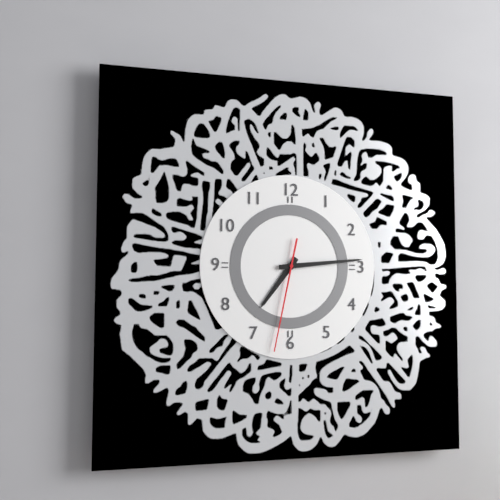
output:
7.14.32
